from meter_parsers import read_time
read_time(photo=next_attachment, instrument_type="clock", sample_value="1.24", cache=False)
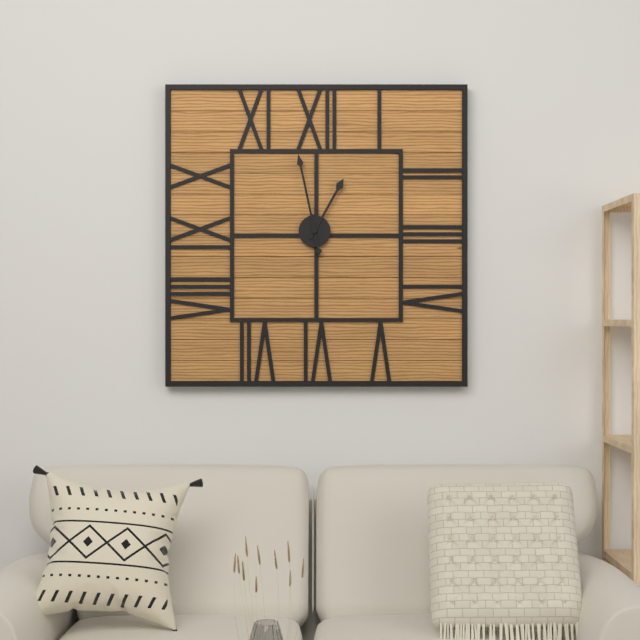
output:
12.58
